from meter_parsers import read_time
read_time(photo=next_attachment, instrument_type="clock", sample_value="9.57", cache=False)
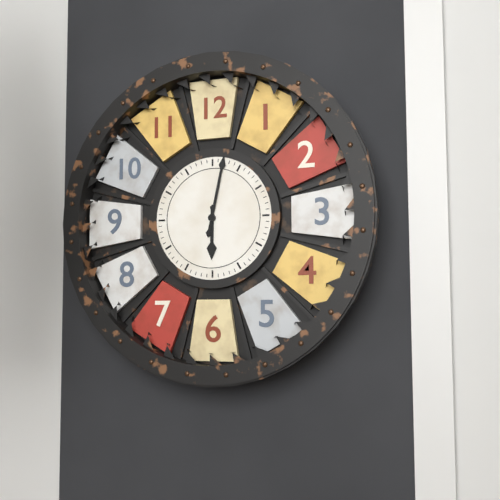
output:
6.02
